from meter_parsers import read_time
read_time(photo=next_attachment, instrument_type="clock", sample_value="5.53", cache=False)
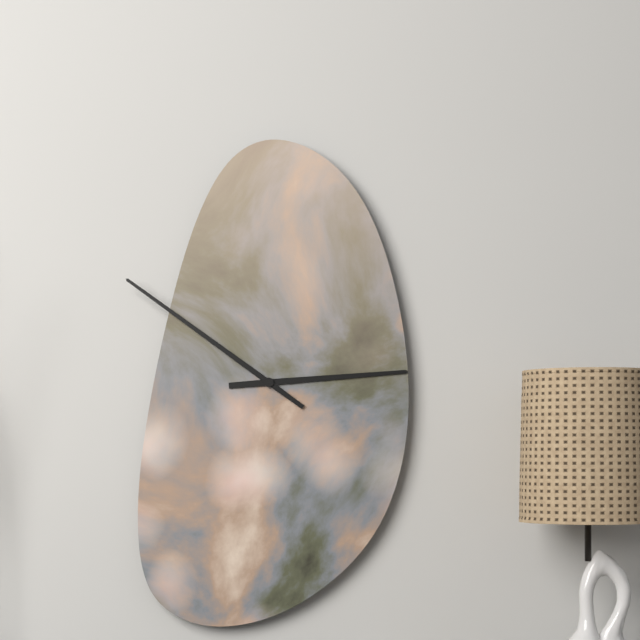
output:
2.51
